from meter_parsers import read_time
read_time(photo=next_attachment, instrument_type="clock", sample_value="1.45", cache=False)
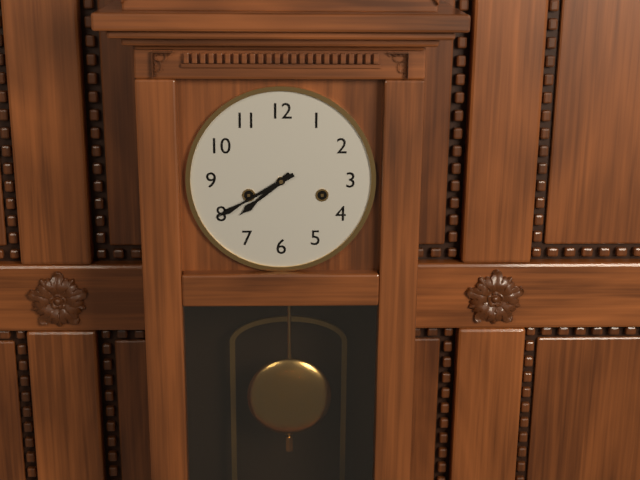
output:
7.40
